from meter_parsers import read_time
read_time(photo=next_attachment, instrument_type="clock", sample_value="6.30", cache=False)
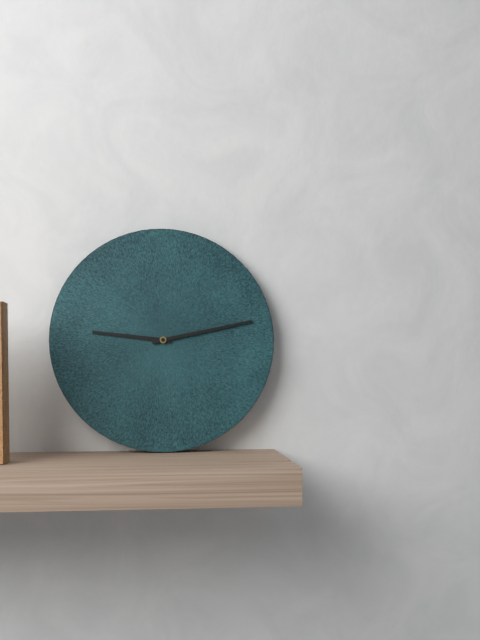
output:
9.13
